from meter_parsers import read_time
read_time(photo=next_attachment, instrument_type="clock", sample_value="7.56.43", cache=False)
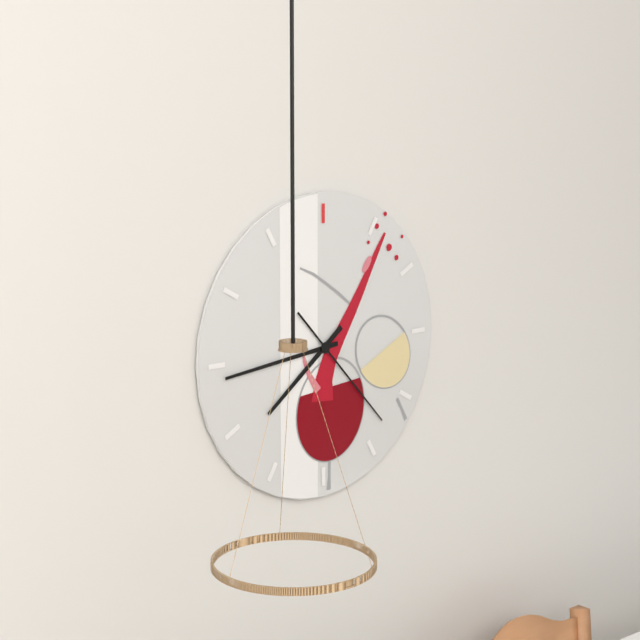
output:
7.44.23
